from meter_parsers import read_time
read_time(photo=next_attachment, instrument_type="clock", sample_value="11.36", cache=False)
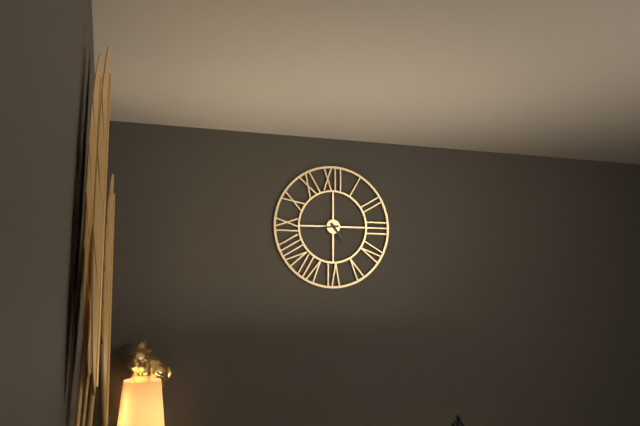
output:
4.44
